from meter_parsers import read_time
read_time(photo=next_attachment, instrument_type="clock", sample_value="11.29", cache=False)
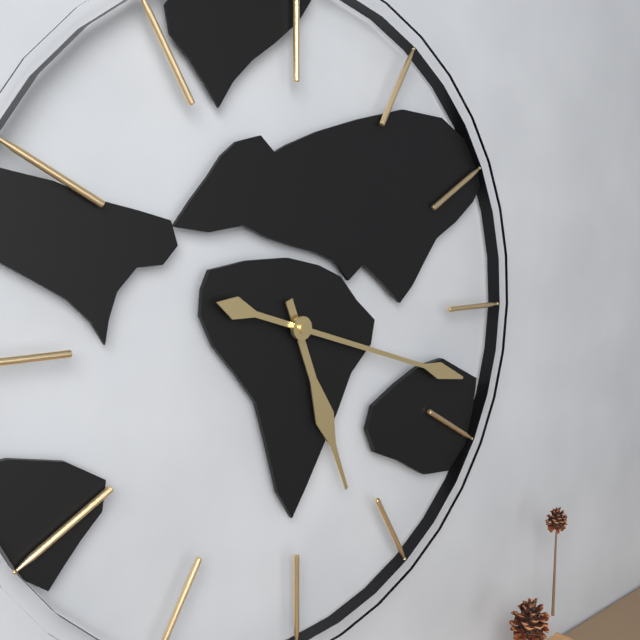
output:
5.18
